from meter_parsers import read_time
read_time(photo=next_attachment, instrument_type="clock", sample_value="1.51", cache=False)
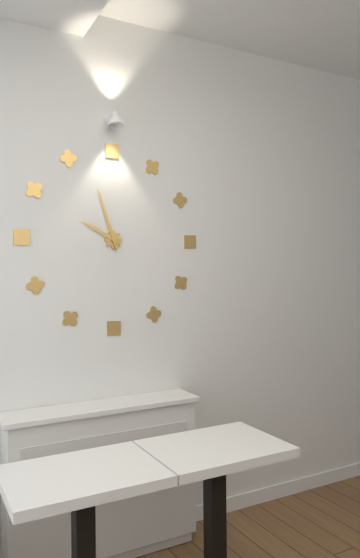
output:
9.57
